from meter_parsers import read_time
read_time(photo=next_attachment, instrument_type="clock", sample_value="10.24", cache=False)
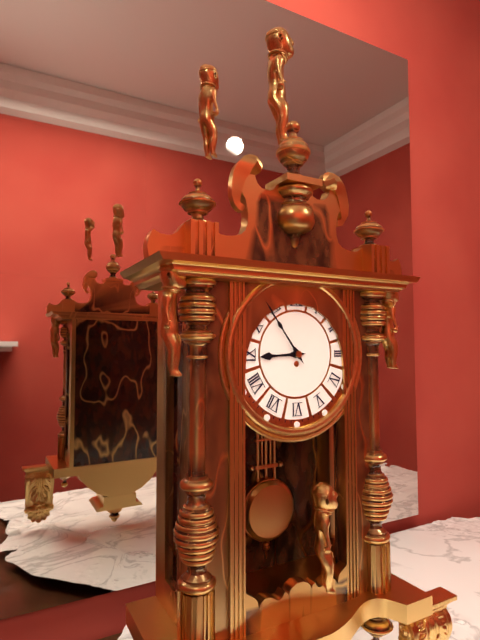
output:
8.54
